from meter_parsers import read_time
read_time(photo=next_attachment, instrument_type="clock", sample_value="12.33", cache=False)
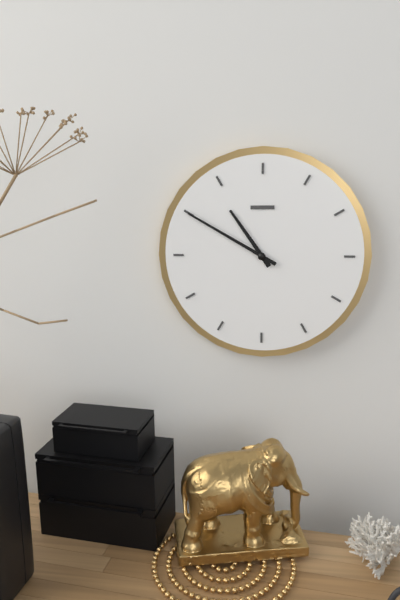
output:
10.50
